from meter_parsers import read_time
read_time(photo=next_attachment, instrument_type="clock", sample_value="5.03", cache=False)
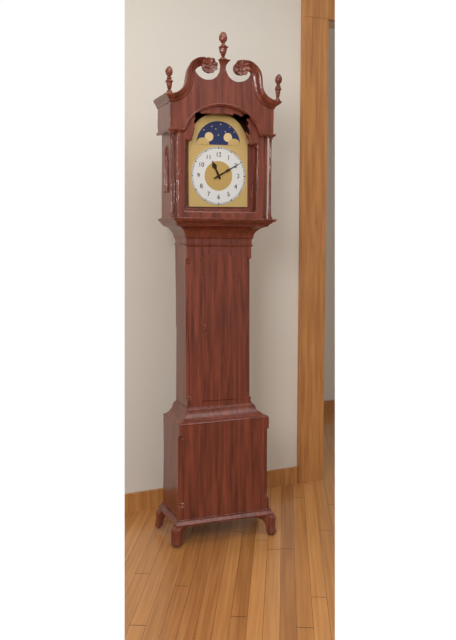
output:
11.10
